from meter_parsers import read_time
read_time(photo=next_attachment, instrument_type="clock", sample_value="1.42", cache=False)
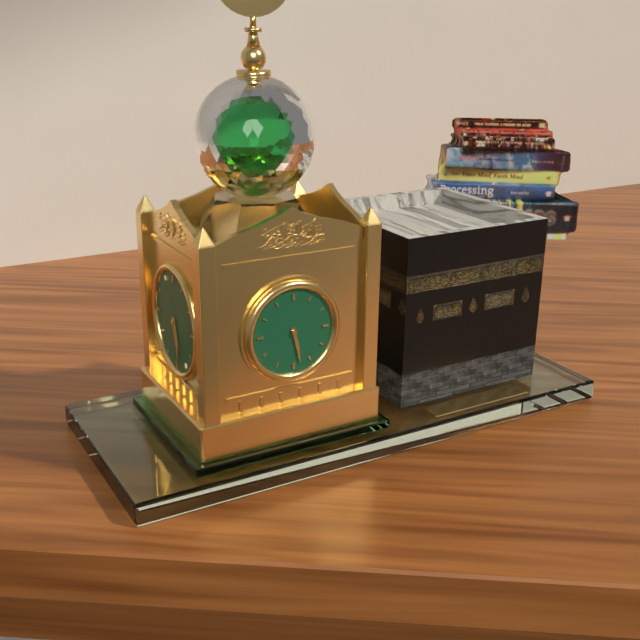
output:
5.28
